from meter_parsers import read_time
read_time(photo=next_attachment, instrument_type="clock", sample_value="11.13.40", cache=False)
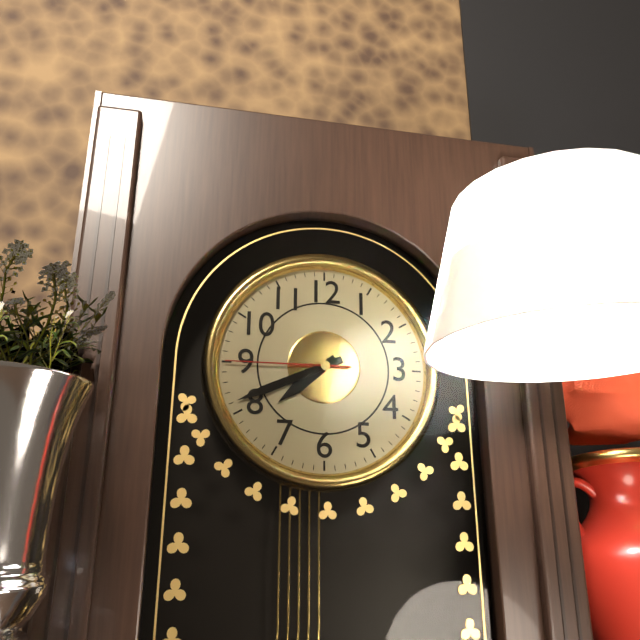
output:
7.41.45
